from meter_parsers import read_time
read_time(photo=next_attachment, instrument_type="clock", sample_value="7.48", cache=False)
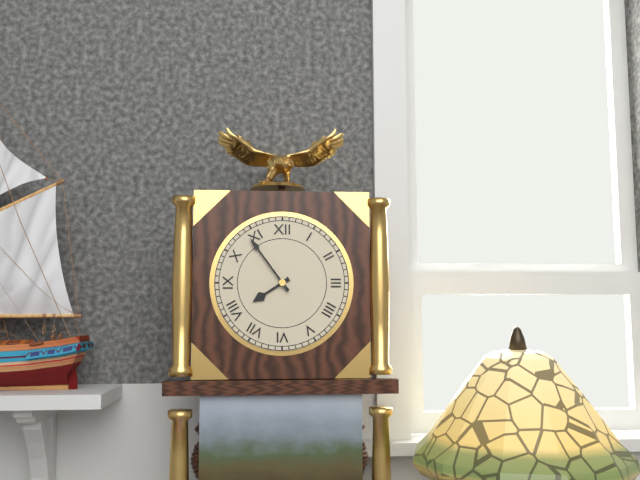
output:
7.54
